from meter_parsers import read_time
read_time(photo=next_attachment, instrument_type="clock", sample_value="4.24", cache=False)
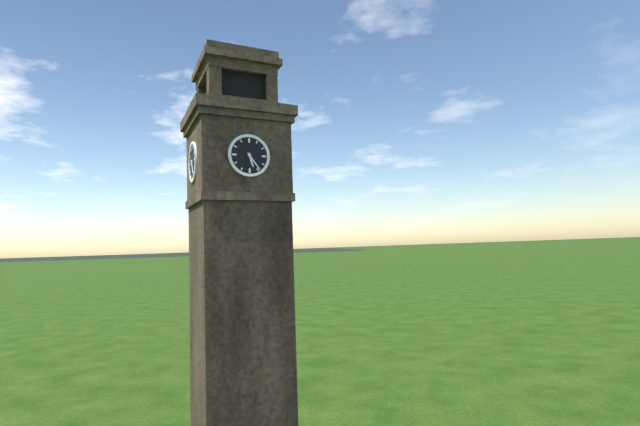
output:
5.24
